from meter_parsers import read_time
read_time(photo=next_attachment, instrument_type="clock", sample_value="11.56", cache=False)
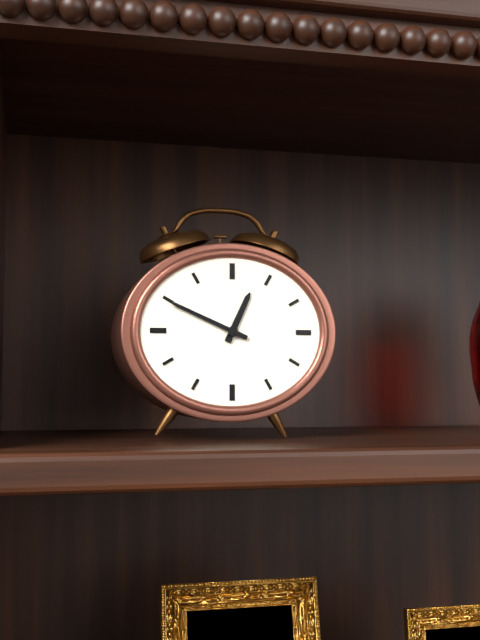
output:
12.49
